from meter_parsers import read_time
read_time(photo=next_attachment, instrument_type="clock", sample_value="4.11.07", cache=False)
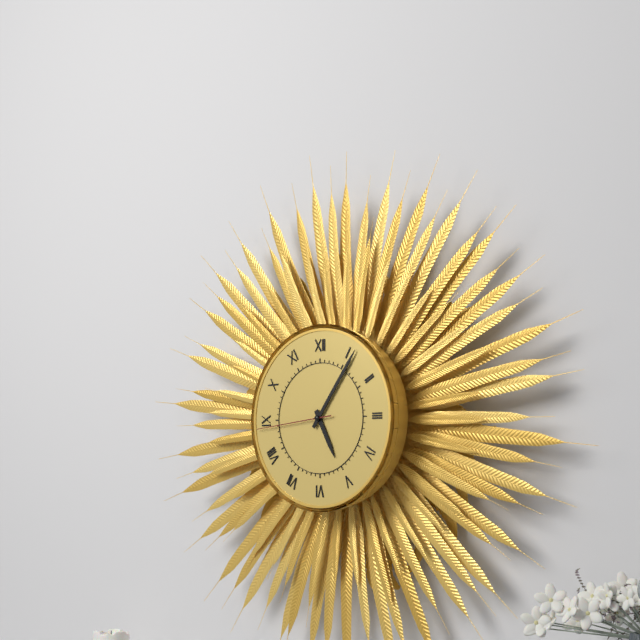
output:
5.06.44
